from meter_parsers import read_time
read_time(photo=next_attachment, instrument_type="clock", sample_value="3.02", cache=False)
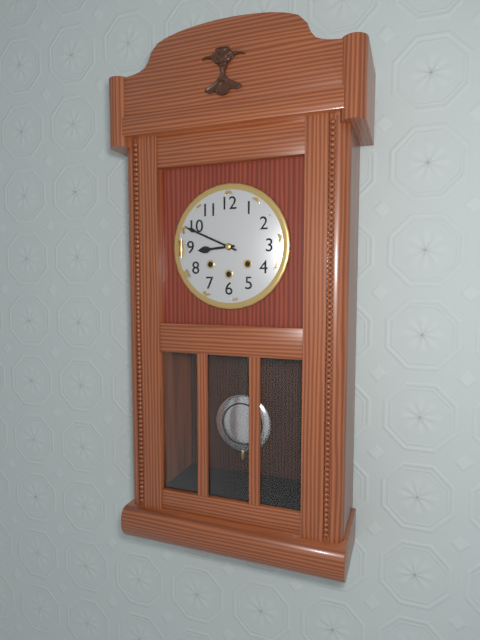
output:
8.49
